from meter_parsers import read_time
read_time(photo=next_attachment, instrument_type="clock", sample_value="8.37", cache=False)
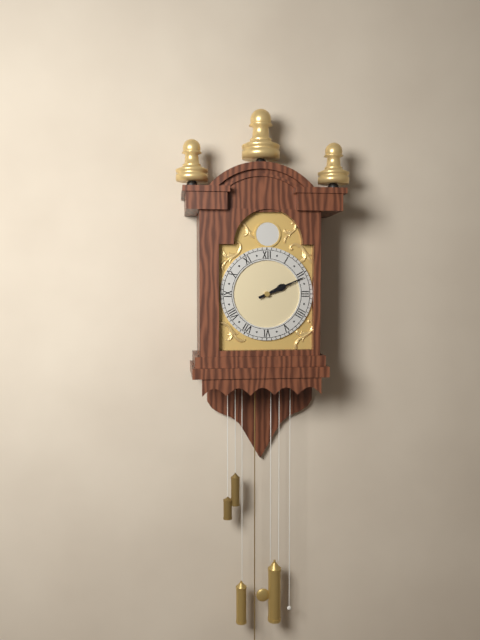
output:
2.11
